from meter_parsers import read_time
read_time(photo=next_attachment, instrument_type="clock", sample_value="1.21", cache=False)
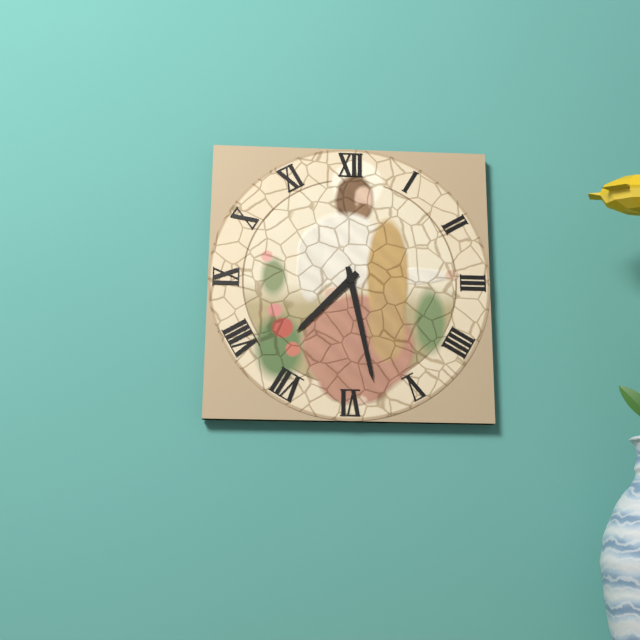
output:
7.28
